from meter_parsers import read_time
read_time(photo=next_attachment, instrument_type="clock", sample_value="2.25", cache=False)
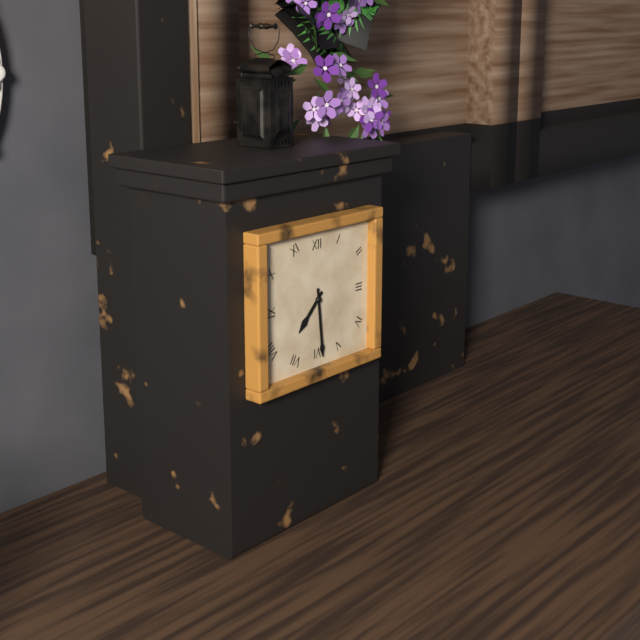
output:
7.29
